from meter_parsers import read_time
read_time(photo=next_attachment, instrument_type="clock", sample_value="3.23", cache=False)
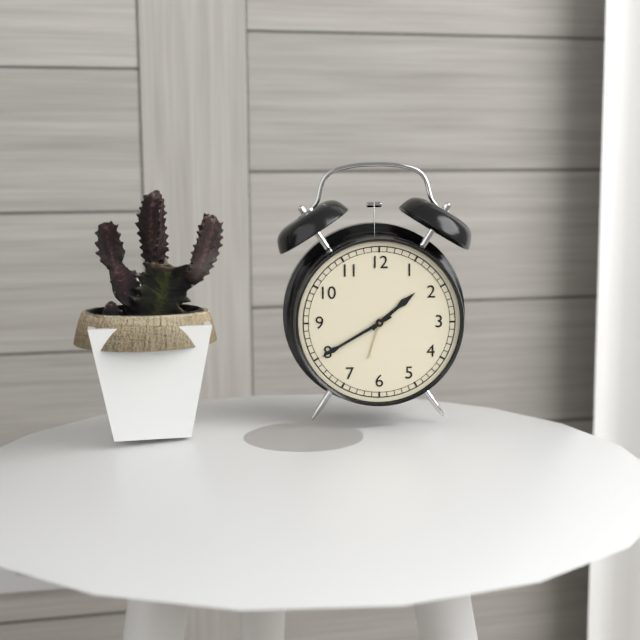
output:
1.40
